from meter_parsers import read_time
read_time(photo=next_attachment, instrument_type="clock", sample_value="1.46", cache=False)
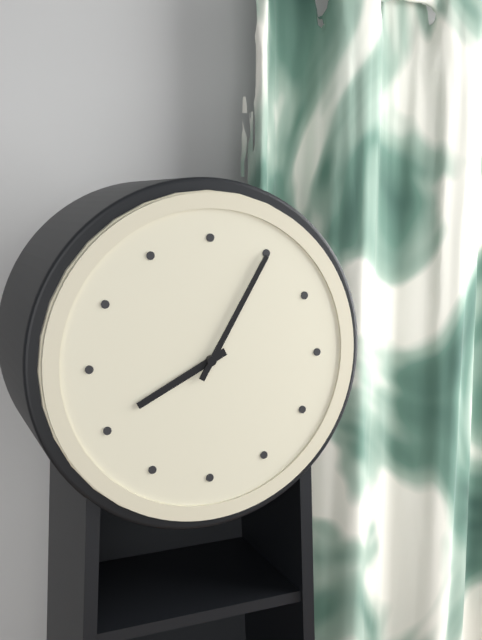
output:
8.05
